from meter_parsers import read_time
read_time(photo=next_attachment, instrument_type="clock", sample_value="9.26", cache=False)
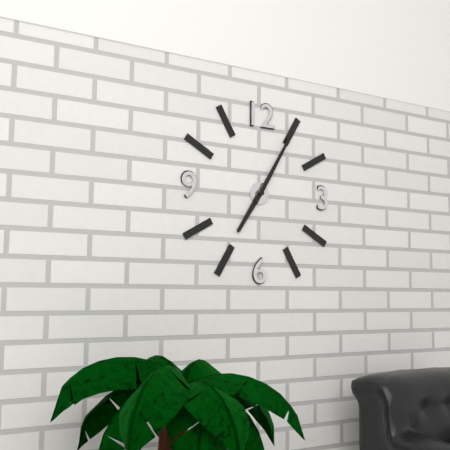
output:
7.05
